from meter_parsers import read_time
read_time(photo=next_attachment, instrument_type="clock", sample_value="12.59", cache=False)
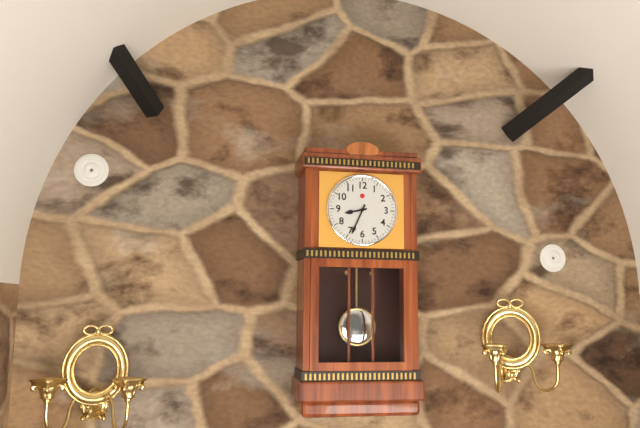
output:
8.34
